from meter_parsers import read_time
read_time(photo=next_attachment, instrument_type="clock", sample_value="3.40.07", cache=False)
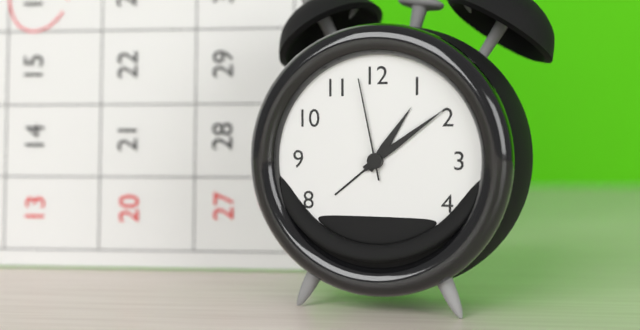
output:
1.09.58
